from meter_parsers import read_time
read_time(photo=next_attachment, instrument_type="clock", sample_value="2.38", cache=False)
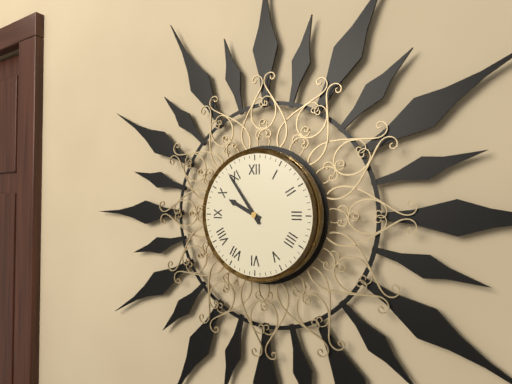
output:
9.54
